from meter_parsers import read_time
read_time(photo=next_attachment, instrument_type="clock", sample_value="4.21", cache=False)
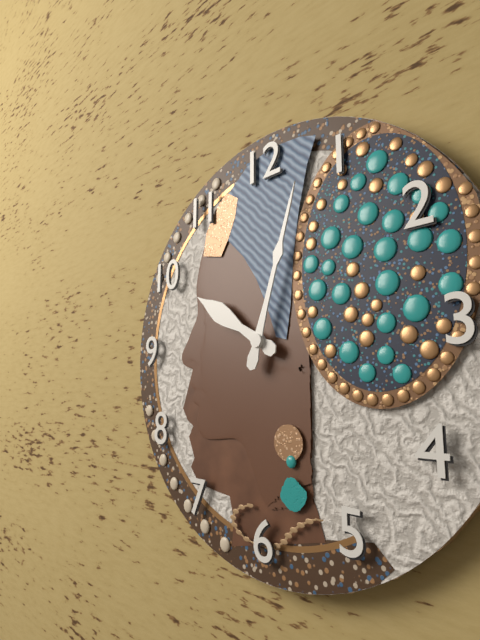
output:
10.03
